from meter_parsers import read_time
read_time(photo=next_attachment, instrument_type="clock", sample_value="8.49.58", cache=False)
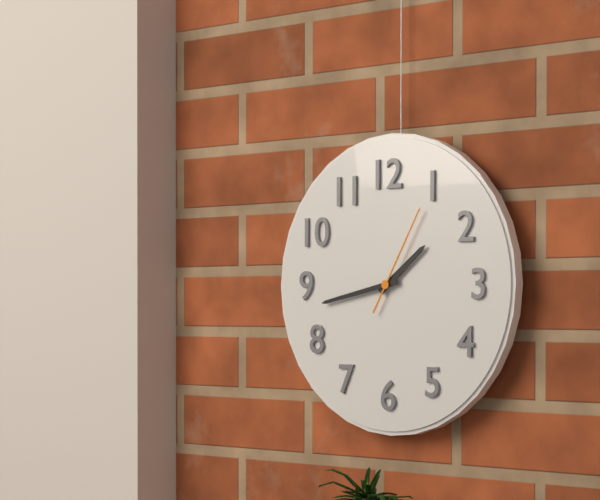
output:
1.43.05
